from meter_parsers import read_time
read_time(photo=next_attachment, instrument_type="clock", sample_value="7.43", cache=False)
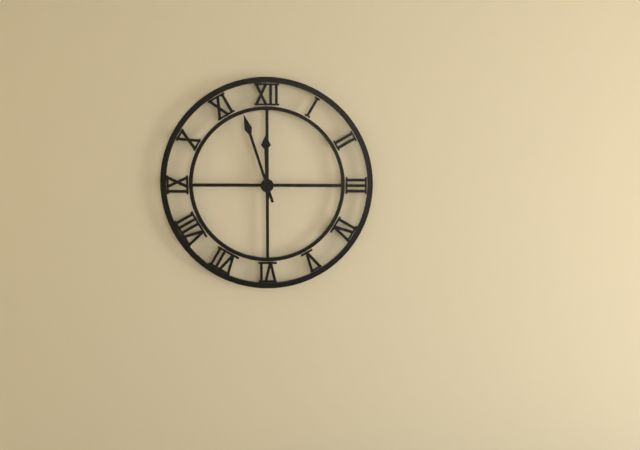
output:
11.57
